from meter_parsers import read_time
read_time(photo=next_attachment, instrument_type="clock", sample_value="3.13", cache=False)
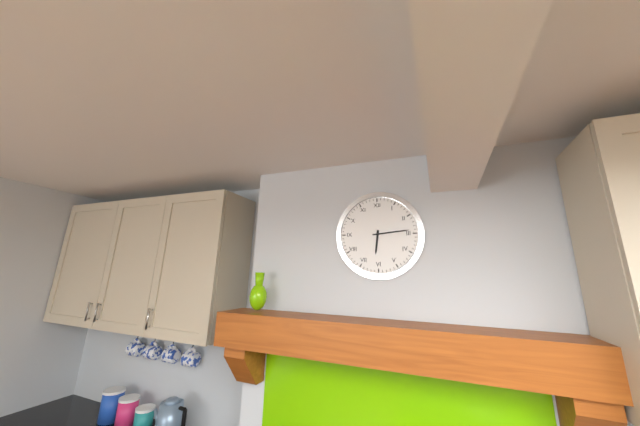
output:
6.14
